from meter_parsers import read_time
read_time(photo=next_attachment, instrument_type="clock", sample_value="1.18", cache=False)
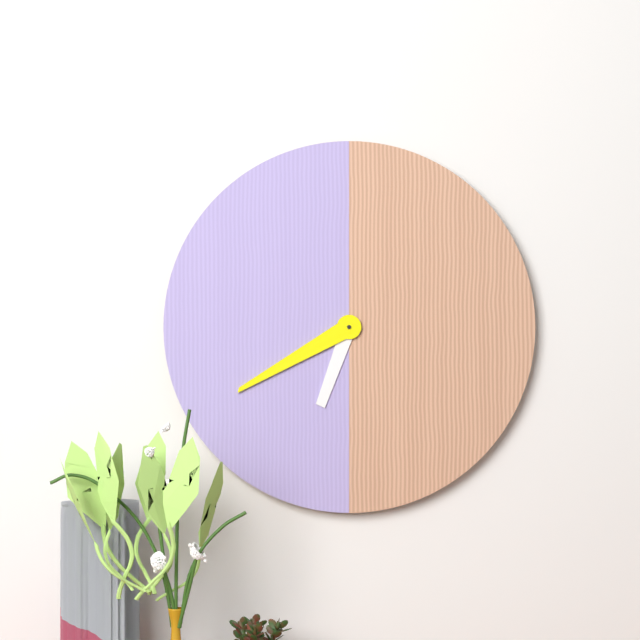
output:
6.40
